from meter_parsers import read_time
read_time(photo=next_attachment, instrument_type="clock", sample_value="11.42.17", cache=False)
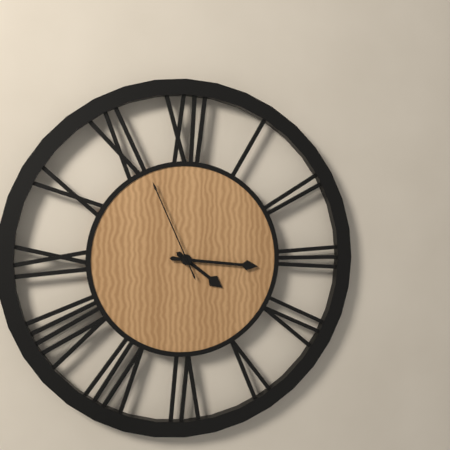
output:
4.16.56
